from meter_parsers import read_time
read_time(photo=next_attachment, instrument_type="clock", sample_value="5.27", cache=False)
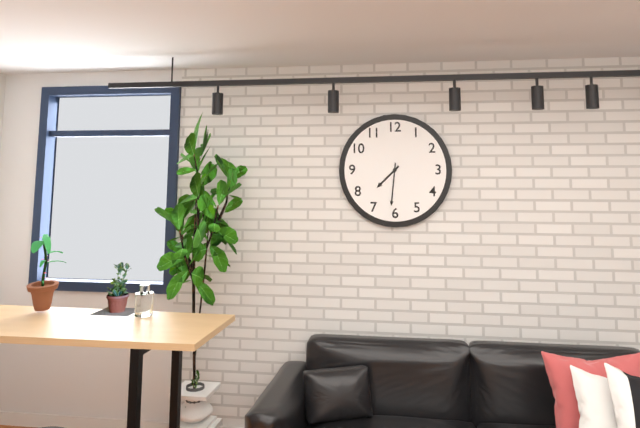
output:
7.31
